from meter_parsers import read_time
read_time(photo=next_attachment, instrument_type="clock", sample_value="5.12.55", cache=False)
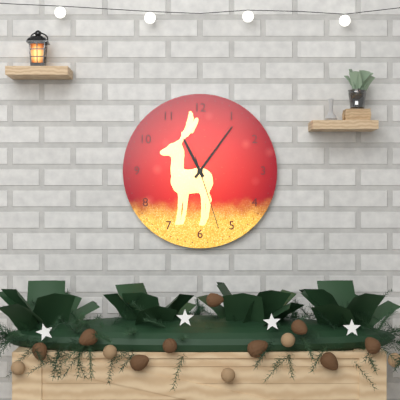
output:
11.06.27
